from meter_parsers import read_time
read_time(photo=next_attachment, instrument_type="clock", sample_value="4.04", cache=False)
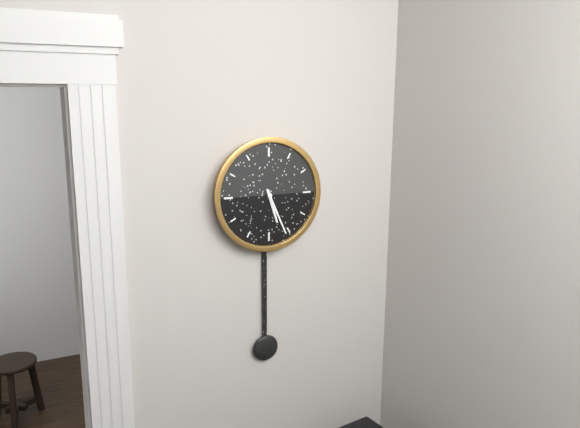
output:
5.26
